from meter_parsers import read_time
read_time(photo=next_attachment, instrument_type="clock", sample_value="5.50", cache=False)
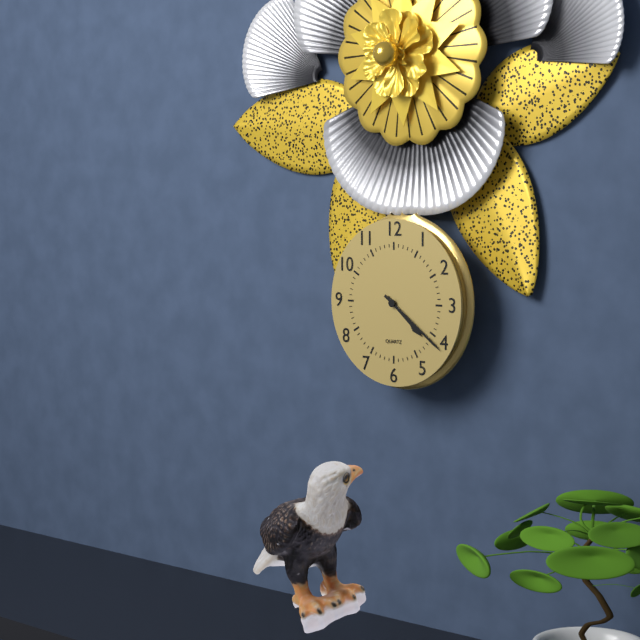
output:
4.21
